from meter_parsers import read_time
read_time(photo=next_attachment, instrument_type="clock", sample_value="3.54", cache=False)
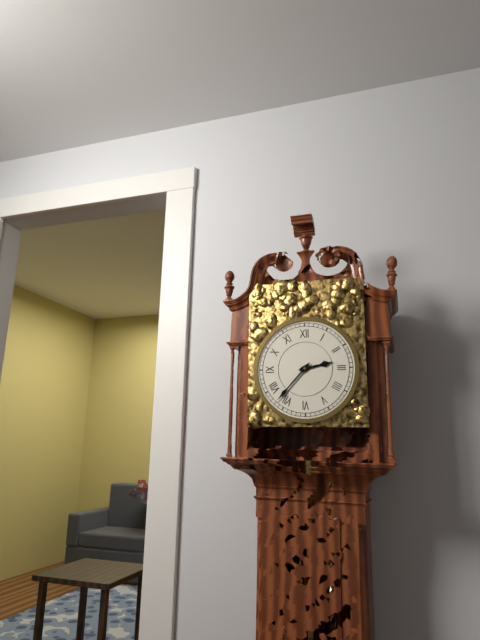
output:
2.37
